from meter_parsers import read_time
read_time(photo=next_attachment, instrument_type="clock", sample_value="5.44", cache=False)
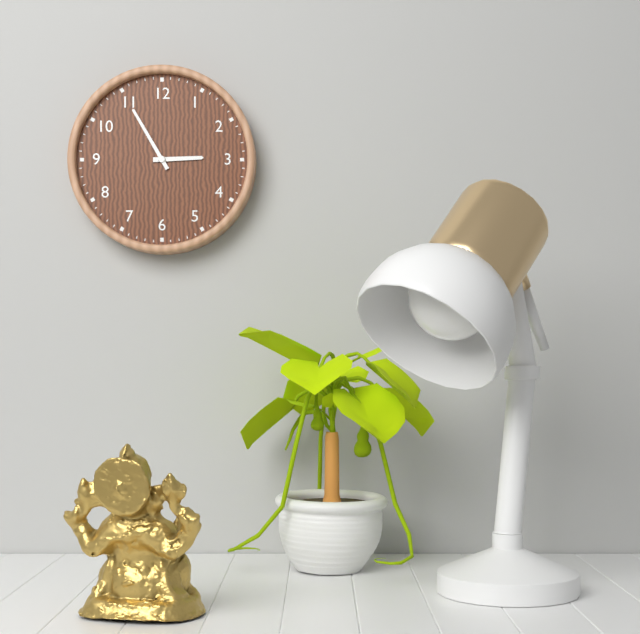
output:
2.55
